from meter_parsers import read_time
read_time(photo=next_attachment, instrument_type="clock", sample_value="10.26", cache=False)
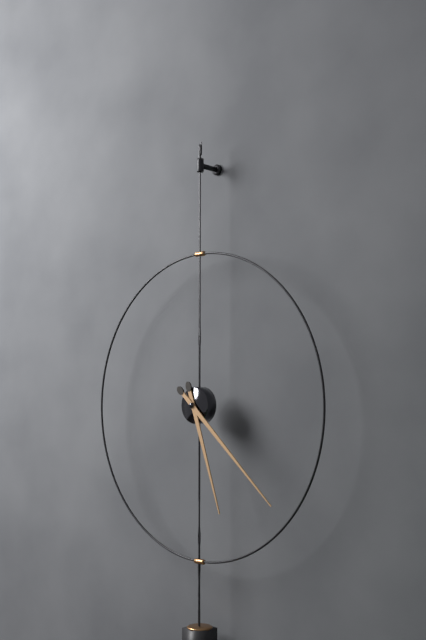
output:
5.22
